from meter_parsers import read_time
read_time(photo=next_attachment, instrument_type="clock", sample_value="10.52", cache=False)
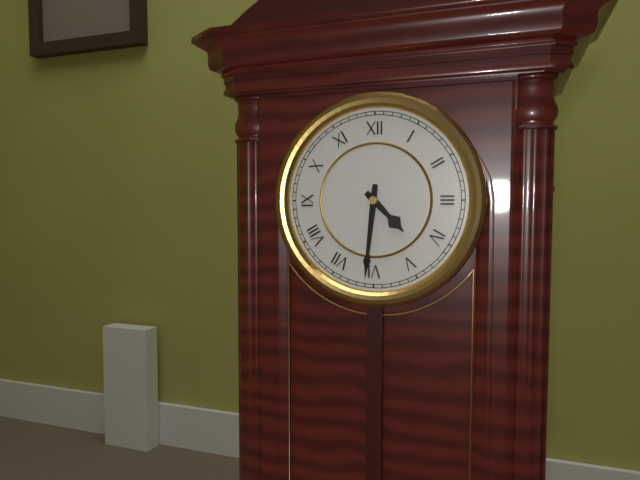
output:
4.31
